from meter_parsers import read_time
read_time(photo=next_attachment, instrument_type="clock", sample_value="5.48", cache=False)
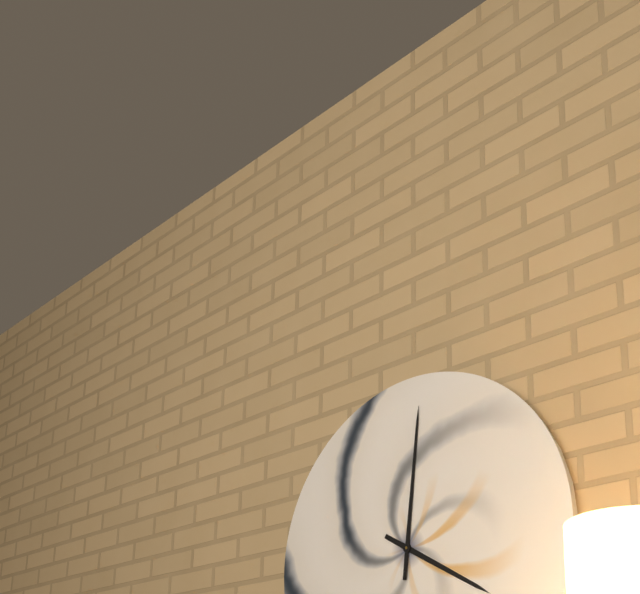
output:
4.01
